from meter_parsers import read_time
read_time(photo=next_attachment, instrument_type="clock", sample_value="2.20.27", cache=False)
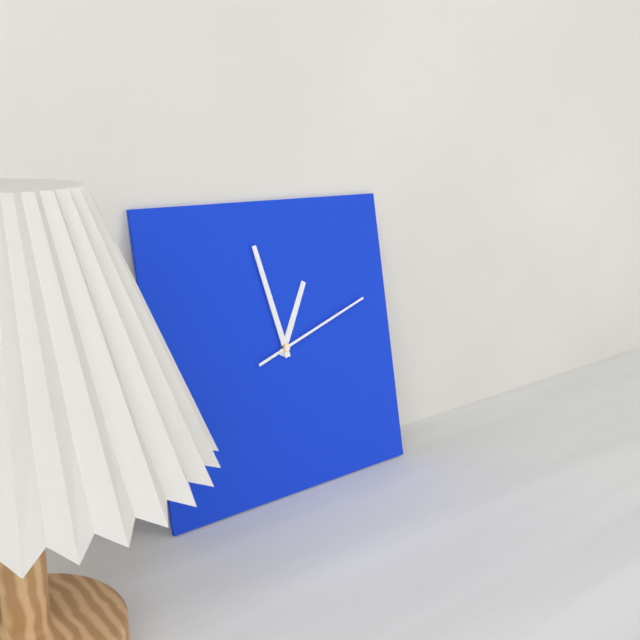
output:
12.58.12
